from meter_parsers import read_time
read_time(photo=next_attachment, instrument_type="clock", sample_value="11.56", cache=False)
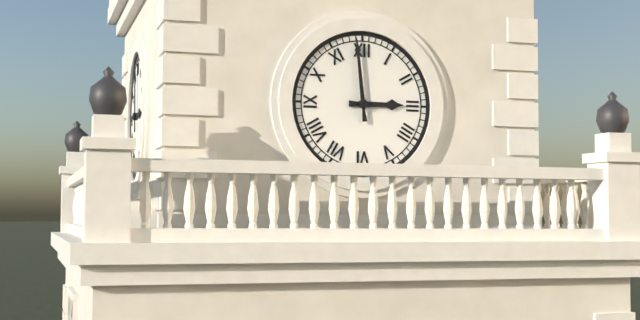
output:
2.59
